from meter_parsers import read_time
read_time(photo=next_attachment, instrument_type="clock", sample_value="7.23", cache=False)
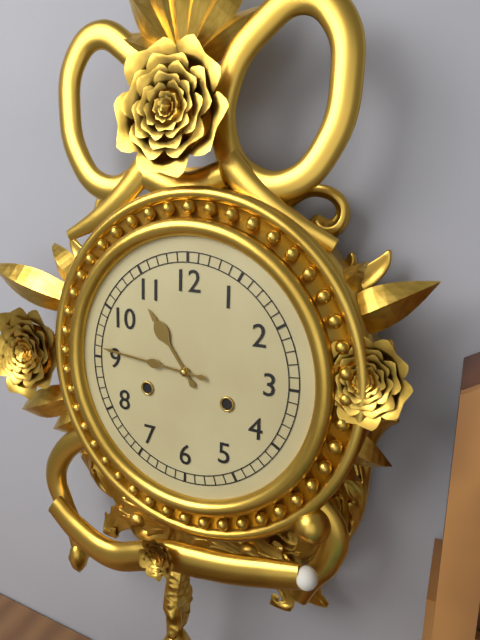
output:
10.46
